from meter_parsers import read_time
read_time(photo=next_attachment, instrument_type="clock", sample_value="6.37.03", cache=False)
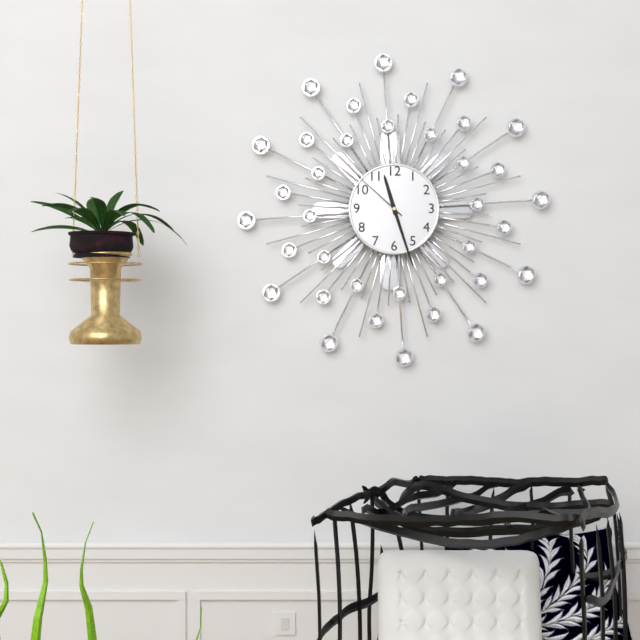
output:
11.27.52
